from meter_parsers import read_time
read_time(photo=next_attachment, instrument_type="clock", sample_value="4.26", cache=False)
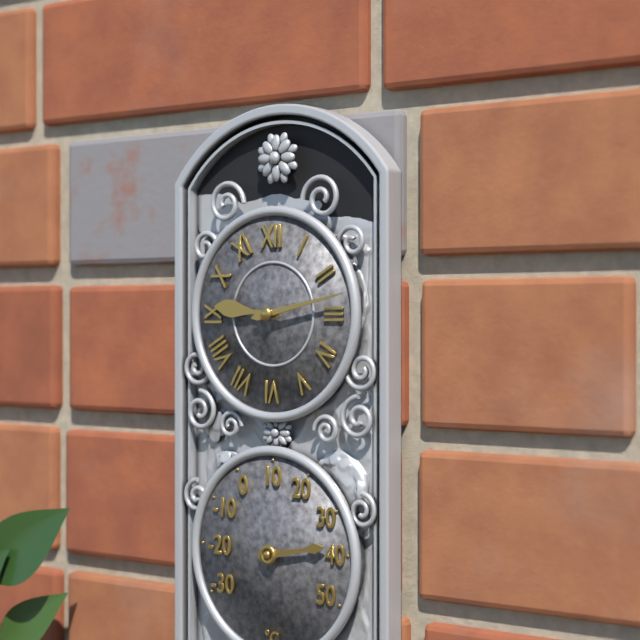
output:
9.13
